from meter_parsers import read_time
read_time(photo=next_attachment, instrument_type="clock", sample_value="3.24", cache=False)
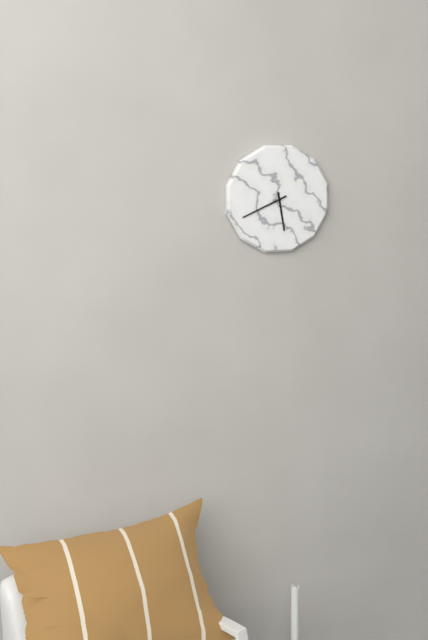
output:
5.41
